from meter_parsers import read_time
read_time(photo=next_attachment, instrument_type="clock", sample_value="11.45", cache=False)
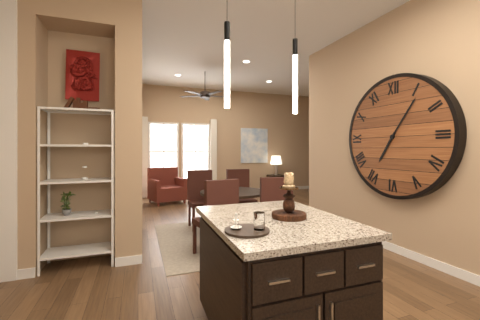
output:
7.06
